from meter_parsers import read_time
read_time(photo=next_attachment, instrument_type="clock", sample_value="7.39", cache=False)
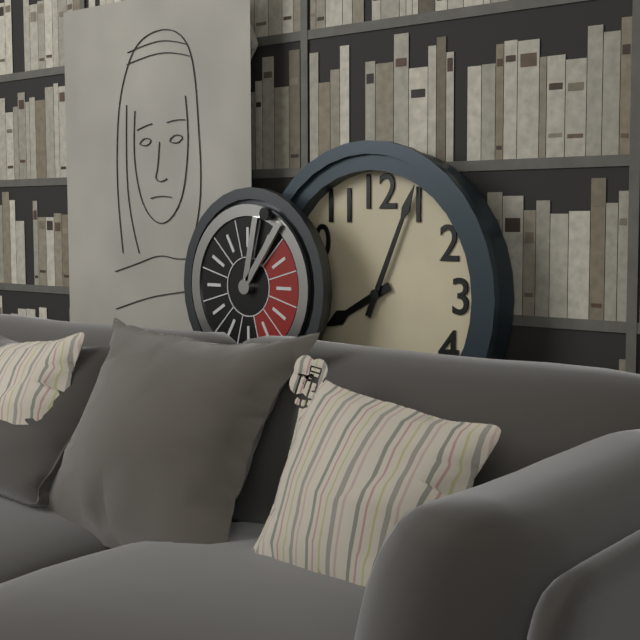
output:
8.04
